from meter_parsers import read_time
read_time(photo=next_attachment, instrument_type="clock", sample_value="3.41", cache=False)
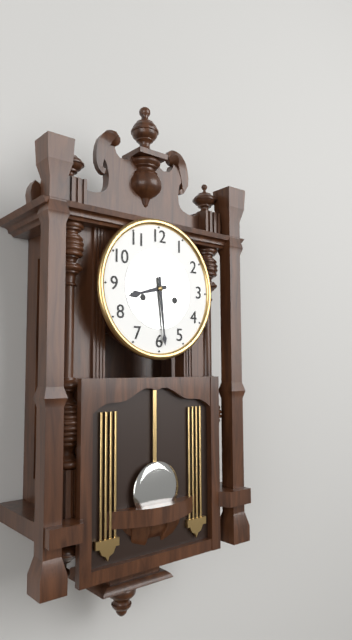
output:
8.29
